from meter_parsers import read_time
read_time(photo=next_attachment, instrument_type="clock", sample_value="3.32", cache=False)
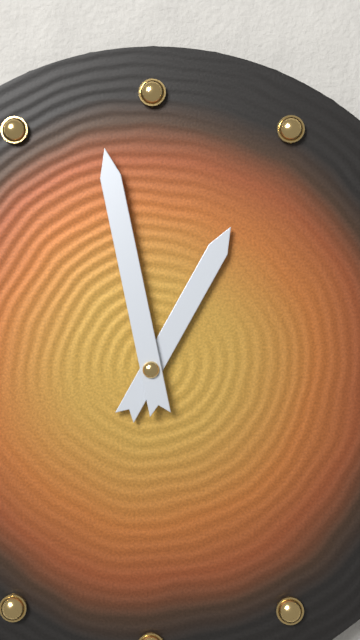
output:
12.58
